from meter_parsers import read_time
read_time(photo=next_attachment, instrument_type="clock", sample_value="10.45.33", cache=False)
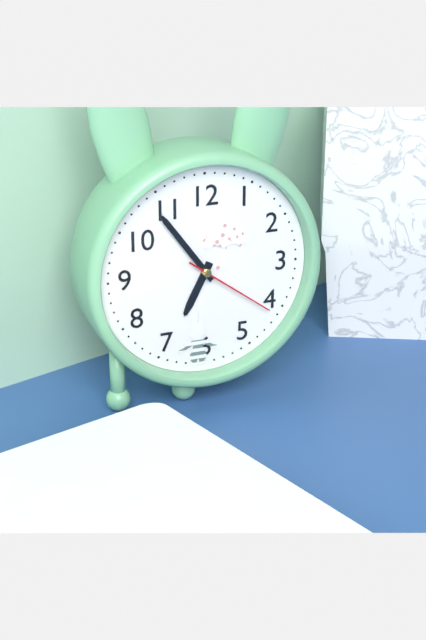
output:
6.54.21
